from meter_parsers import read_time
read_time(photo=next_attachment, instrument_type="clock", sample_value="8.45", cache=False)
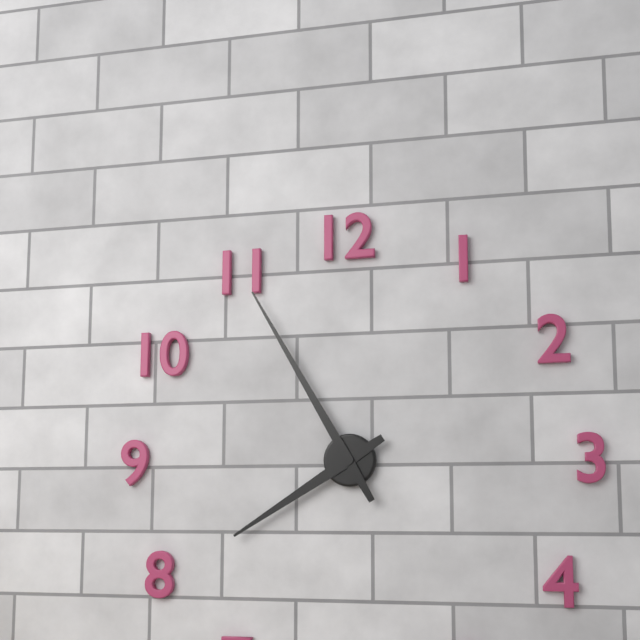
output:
7.55
